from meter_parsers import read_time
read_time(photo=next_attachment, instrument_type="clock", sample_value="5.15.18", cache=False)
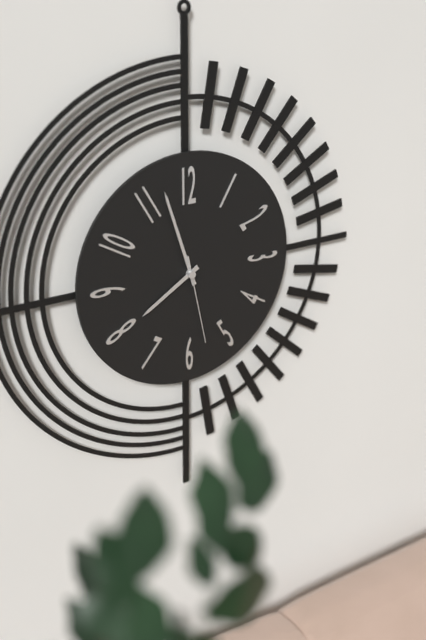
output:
7.57.28
